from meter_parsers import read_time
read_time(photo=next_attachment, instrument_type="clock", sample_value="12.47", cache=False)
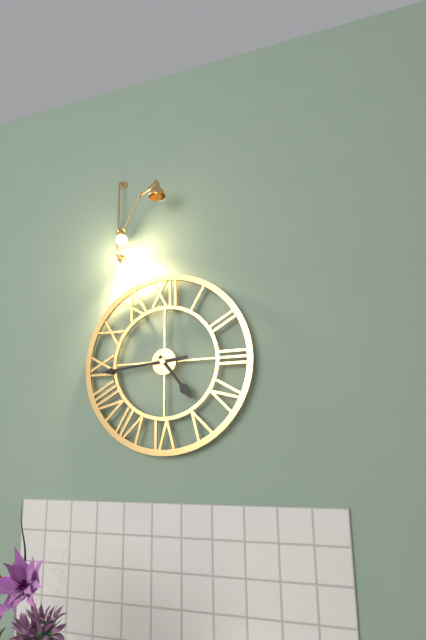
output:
4.44
